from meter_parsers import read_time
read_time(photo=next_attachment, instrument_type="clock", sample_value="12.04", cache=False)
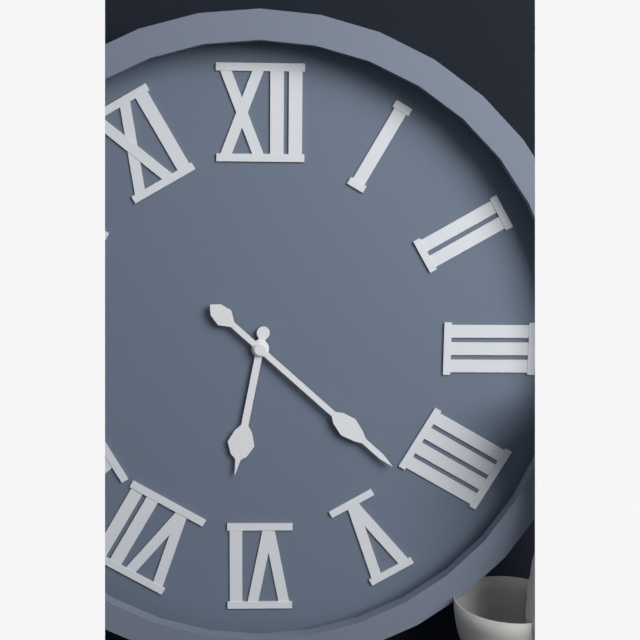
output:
6.22
